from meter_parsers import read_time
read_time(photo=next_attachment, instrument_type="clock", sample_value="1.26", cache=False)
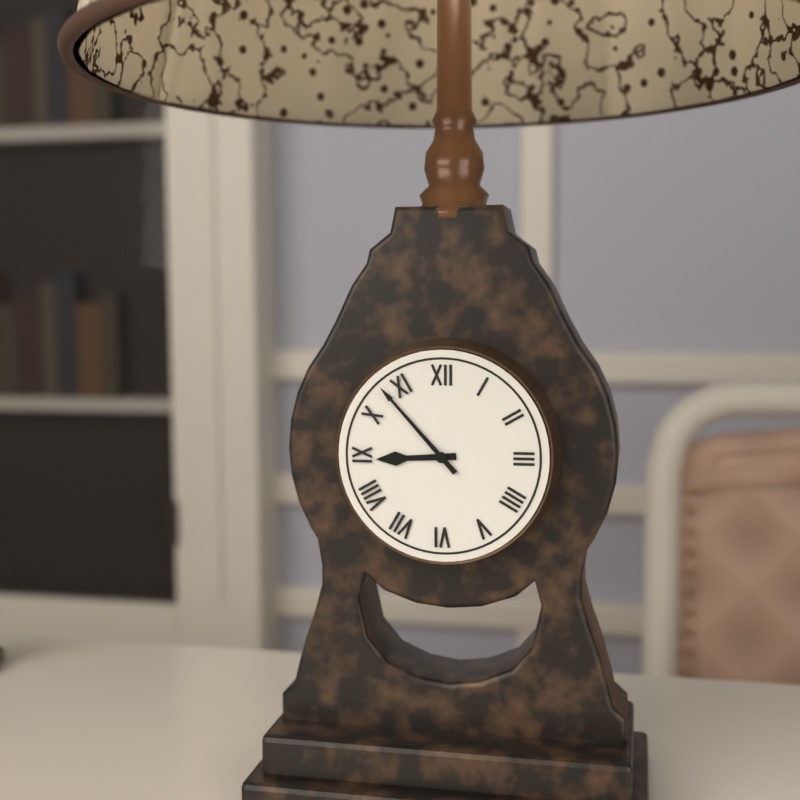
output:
8.53
